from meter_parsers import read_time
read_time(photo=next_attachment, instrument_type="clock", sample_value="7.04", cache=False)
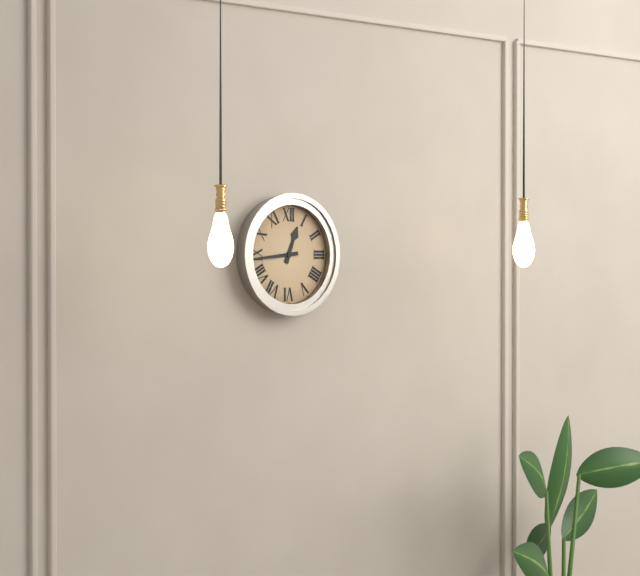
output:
12.44
